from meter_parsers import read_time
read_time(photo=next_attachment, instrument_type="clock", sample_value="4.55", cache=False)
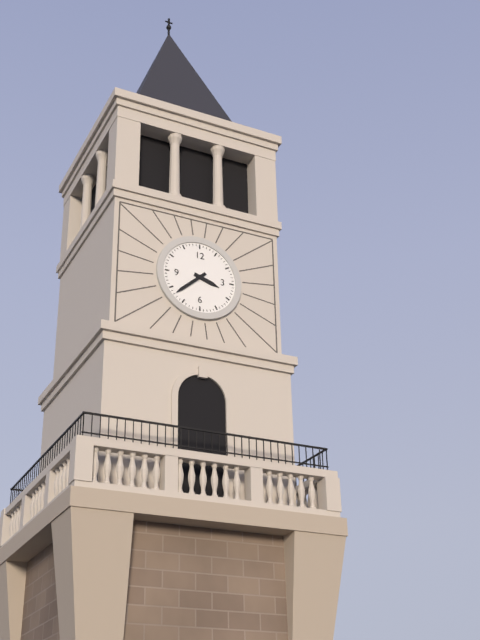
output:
3.38
